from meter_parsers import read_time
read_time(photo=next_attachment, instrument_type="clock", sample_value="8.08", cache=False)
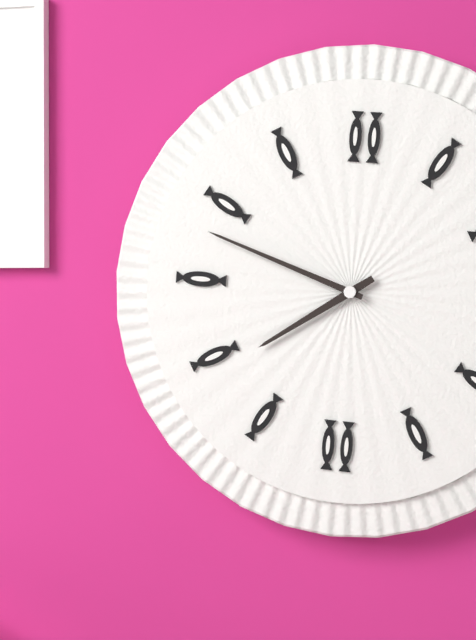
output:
7.48
